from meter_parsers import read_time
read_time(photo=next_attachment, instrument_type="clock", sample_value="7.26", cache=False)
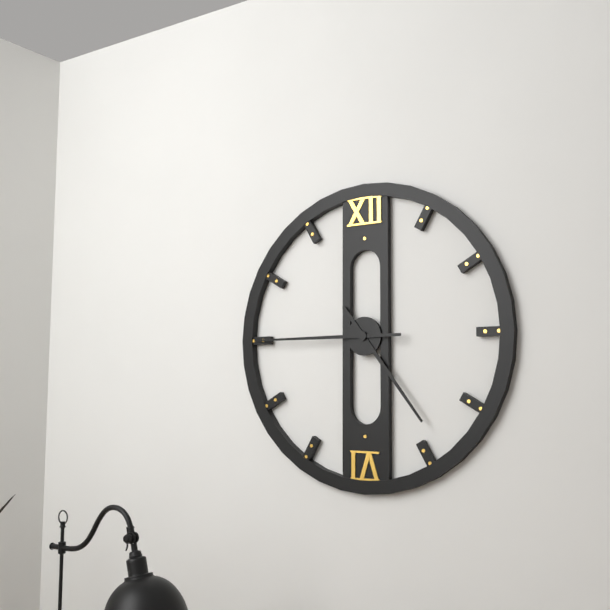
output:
4.45
